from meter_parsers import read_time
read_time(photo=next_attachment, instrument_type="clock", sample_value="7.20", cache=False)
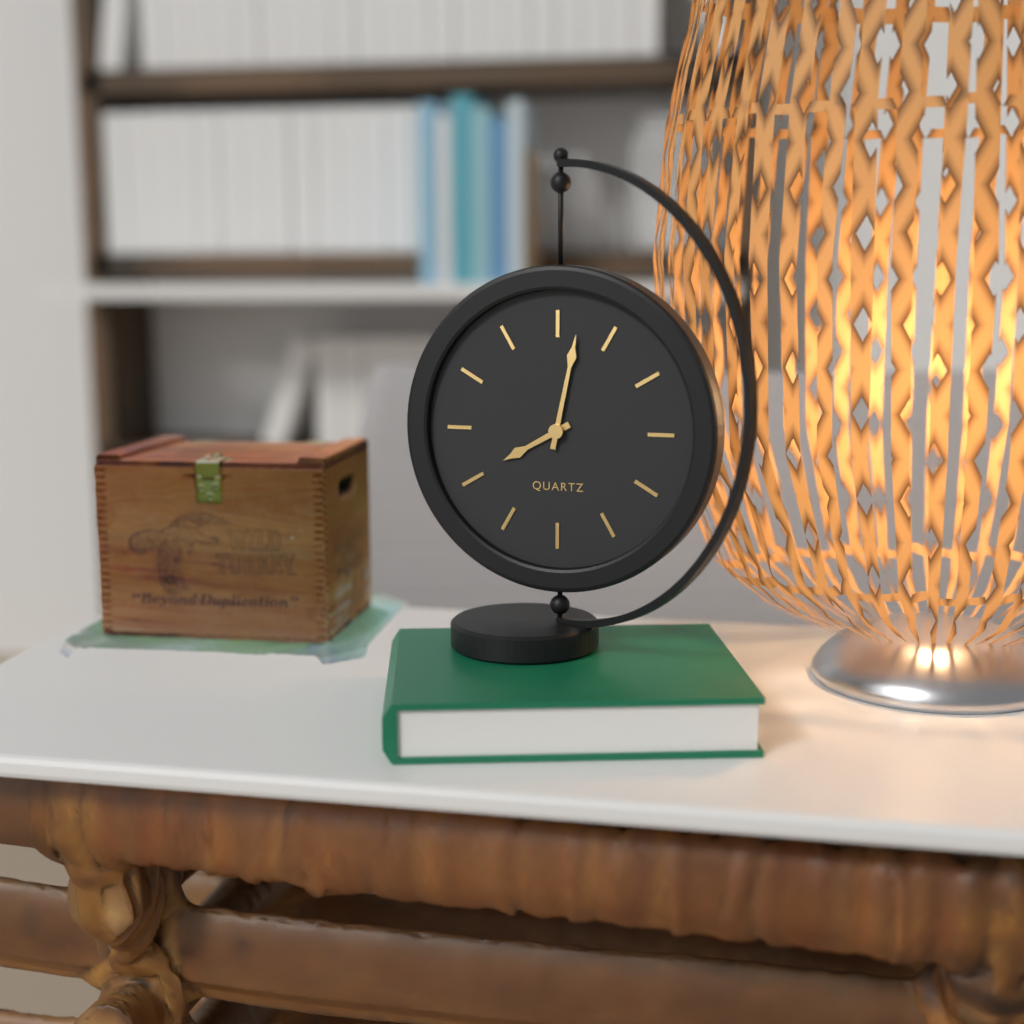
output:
8.02
